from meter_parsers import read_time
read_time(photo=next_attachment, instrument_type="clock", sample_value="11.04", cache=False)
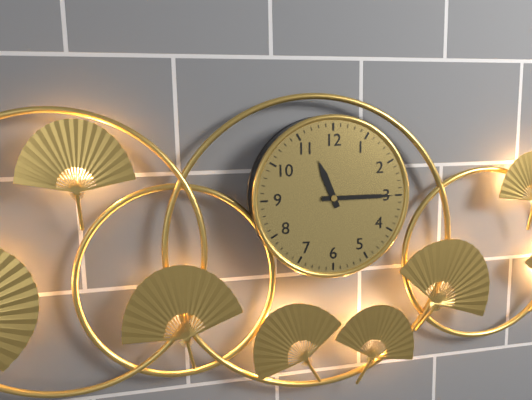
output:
11.15
